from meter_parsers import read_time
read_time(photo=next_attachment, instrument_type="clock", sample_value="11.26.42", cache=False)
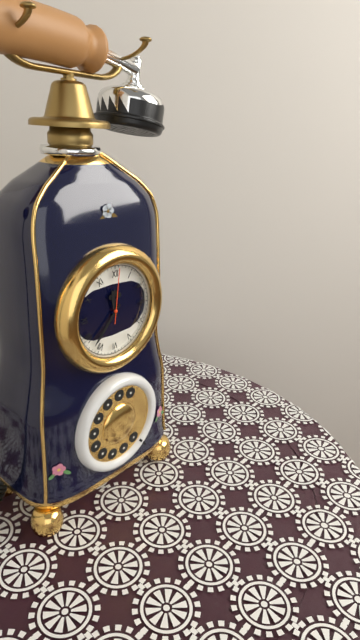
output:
11.37.01
